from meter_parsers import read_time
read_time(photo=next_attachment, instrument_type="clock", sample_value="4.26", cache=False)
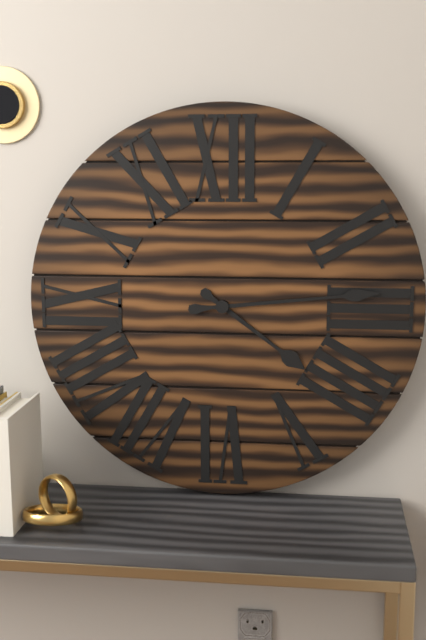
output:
4.14
